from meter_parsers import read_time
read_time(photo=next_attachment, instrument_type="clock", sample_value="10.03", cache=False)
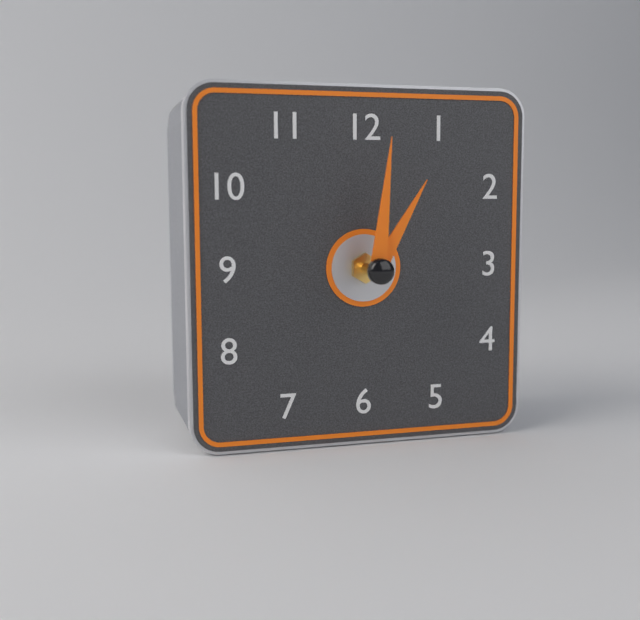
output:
1.01
